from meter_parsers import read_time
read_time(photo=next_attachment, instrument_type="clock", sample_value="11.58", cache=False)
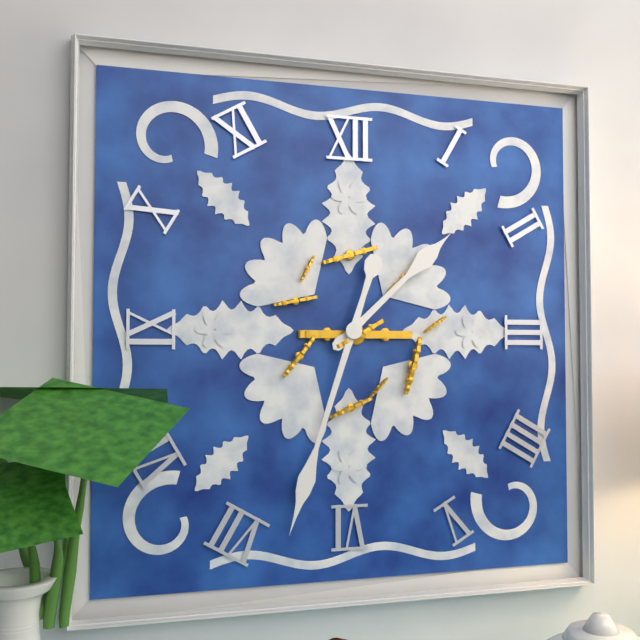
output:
1.33
